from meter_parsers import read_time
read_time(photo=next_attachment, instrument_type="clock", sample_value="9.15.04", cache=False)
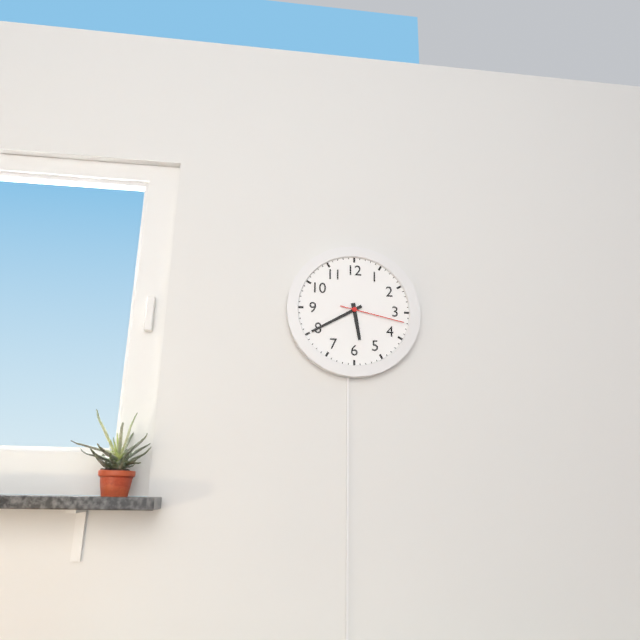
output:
5.40.17
